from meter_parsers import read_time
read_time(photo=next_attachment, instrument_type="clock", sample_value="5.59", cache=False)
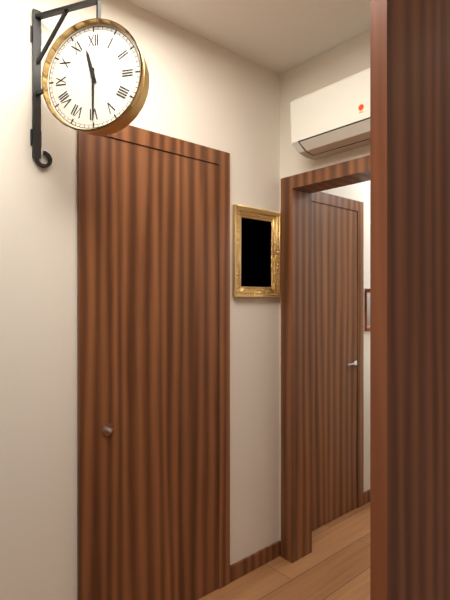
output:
11.30
